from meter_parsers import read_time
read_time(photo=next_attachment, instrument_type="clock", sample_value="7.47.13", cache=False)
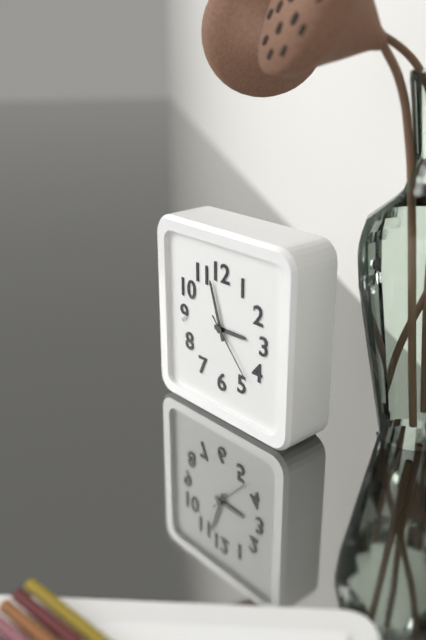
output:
2.57.23
